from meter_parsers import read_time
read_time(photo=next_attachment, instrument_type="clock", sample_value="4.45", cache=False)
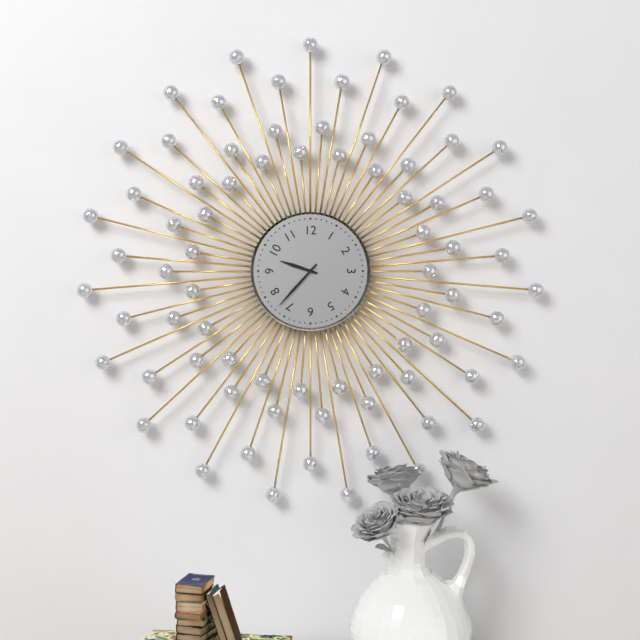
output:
9.37
